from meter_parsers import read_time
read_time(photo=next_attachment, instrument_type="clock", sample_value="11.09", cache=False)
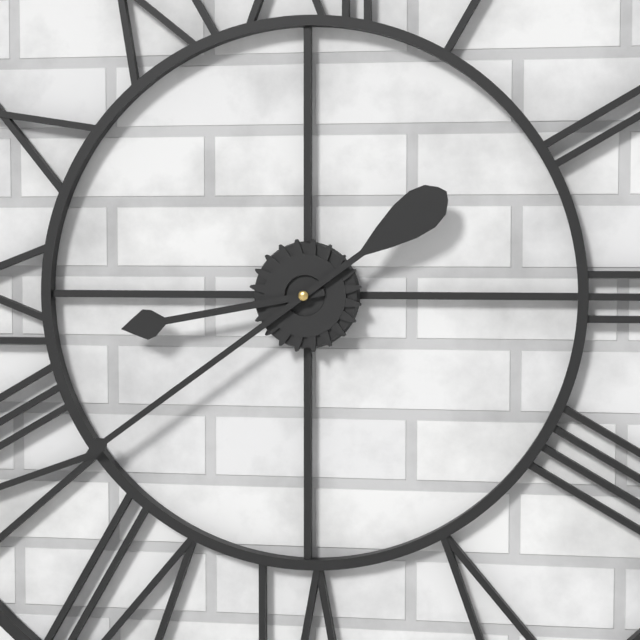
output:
8.39
